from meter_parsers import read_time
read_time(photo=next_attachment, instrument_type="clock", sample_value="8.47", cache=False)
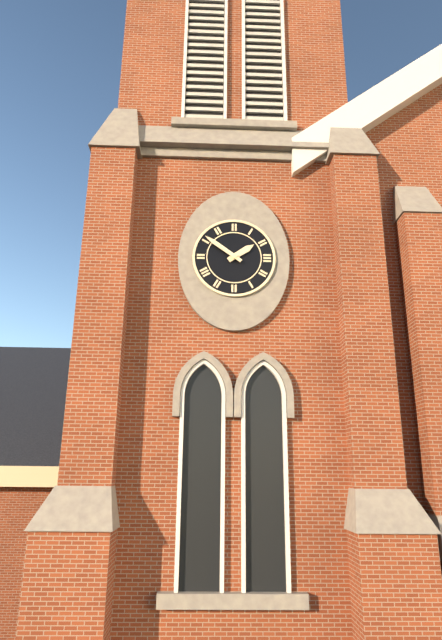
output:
1.51
